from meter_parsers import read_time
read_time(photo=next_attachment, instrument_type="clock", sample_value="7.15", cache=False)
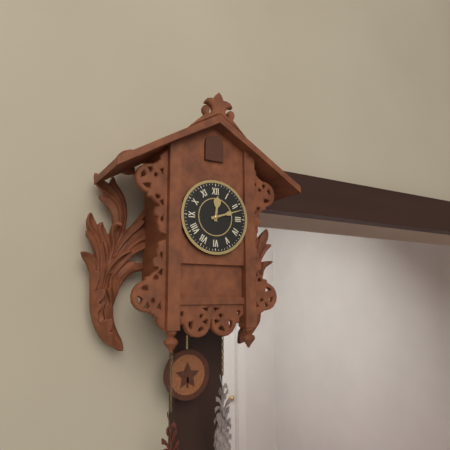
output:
12.12
